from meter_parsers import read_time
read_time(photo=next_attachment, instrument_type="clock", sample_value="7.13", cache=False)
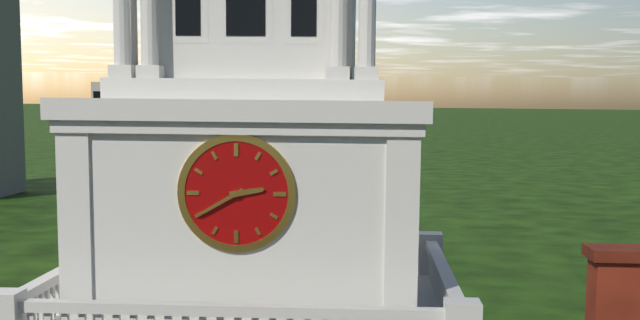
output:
2.40
